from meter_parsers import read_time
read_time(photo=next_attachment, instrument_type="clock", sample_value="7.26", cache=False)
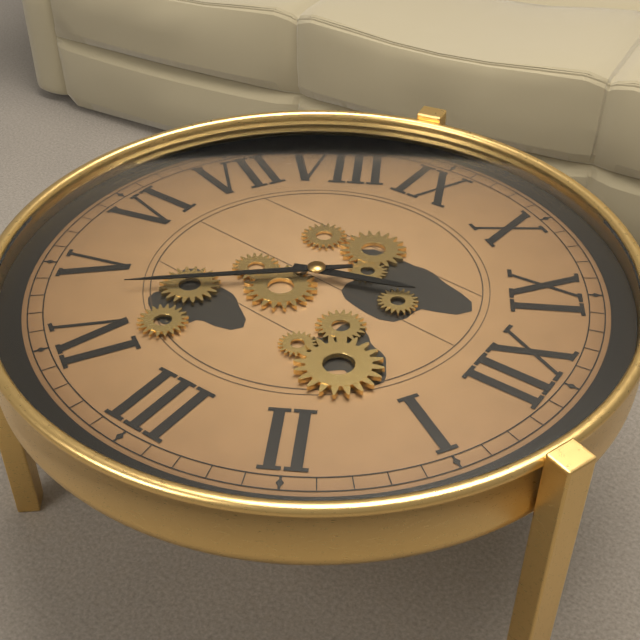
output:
11.23
